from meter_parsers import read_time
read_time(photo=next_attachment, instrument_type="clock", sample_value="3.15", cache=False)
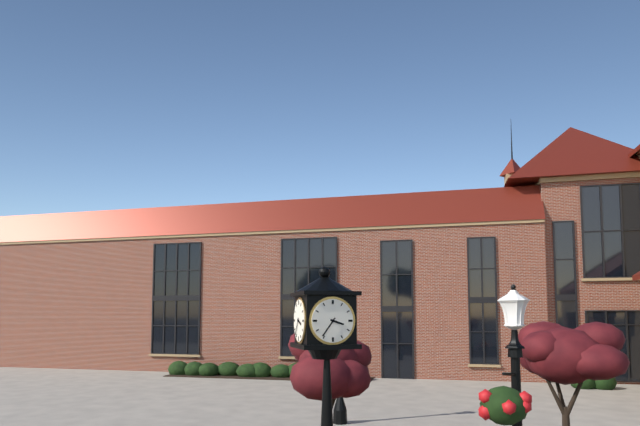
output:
3.36
